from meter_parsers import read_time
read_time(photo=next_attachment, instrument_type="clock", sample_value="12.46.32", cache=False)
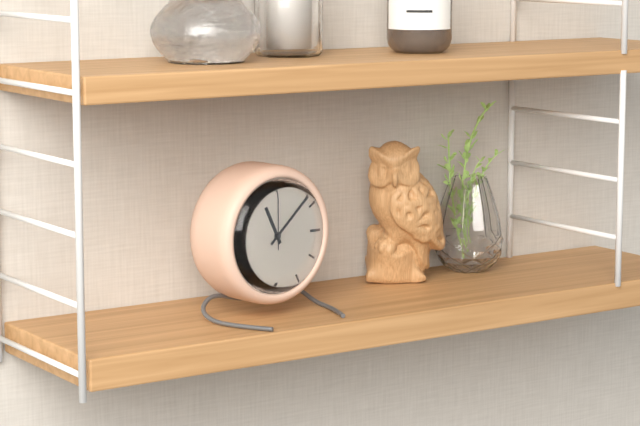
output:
11.08.00
